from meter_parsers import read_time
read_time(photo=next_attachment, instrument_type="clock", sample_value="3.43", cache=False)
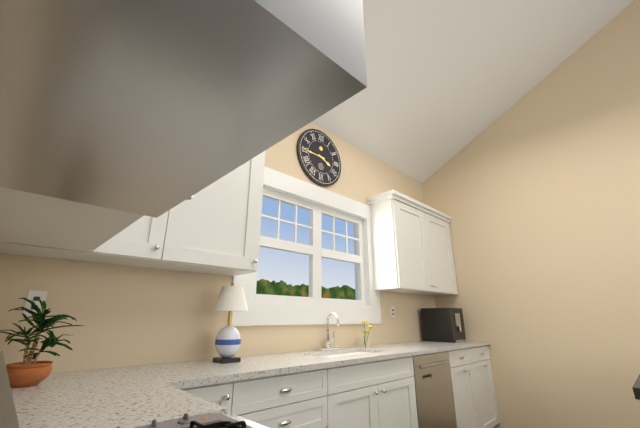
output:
3.45
